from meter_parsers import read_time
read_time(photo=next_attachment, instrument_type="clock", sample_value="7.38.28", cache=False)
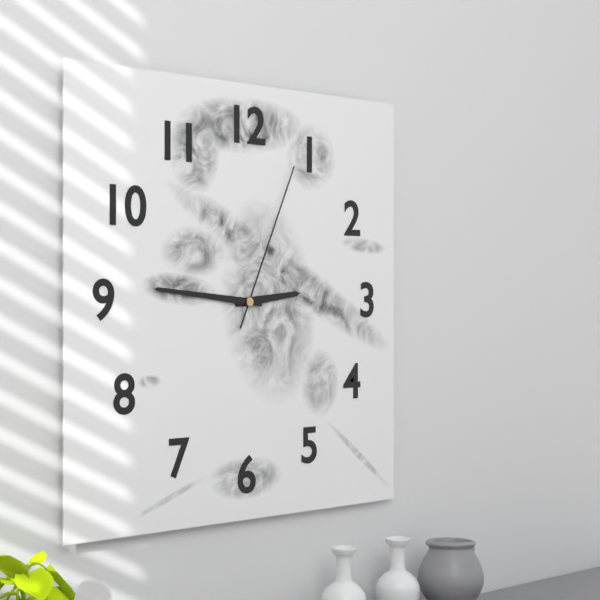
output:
2.46.04
